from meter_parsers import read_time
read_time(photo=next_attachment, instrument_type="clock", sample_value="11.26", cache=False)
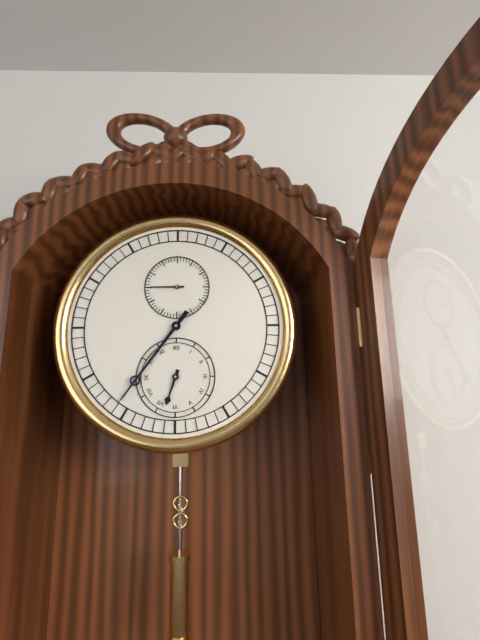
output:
6.36
